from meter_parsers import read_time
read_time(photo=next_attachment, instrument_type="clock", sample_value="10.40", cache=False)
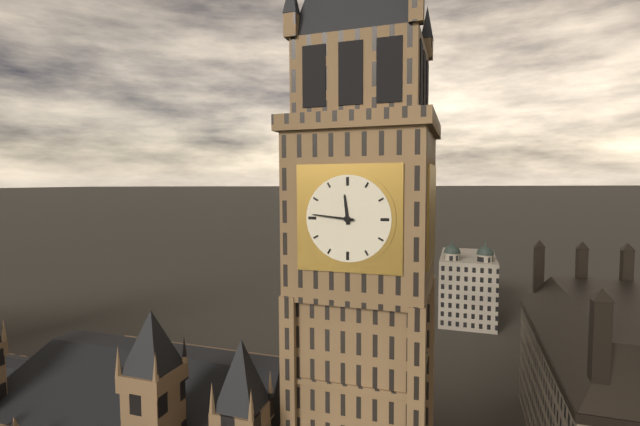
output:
11.46
